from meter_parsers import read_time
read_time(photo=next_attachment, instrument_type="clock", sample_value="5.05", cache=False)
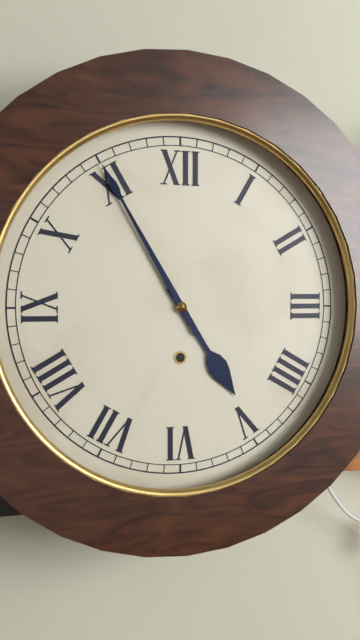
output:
4.55
